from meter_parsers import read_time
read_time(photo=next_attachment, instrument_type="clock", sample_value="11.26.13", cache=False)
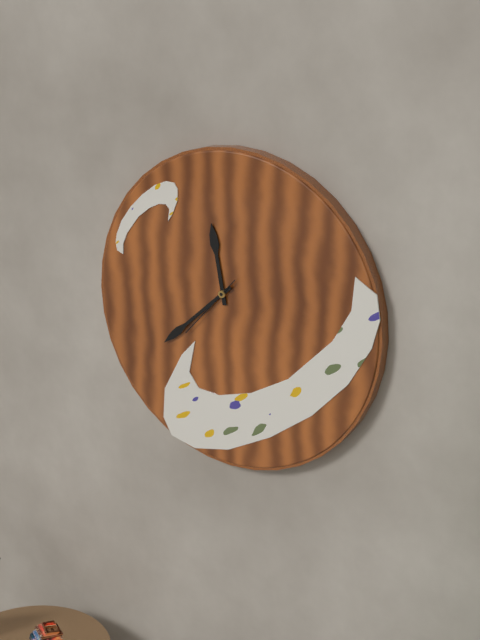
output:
11.38.37
